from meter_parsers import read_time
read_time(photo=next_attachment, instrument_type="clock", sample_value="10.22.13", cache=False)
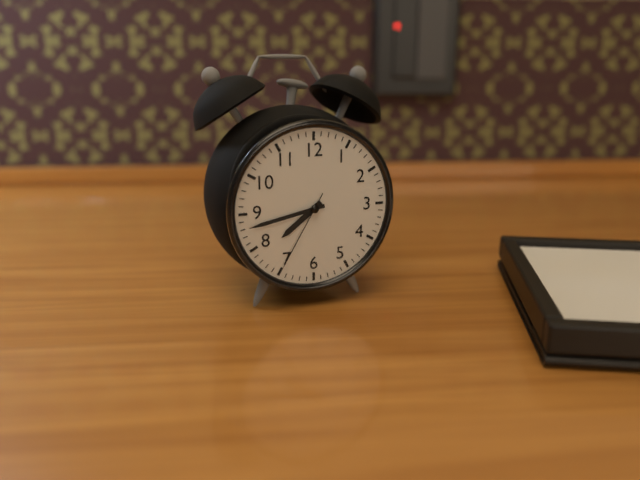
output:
7.43.35
